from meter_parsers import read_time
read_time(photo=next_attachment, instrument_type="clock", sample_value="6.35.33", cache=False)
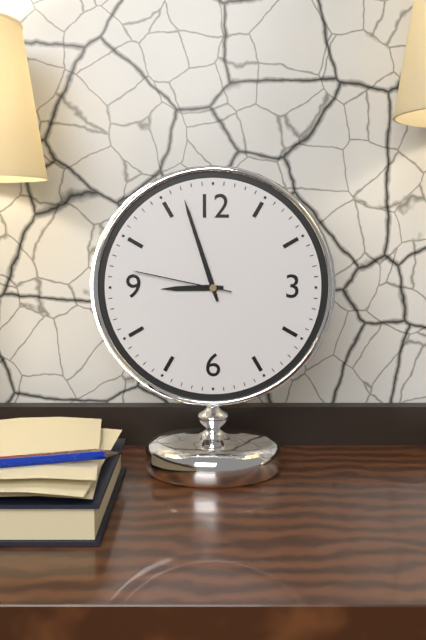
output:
8.57.47
